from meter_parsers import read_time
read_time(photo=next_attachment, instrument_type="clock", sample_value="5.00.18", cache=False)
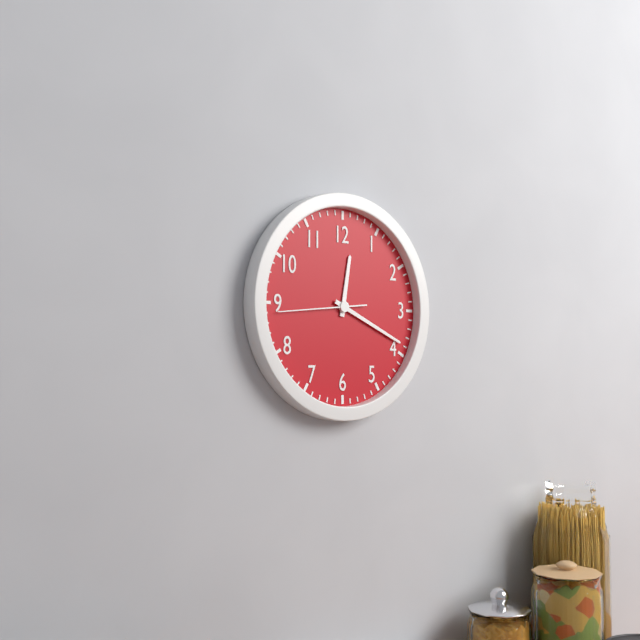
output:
12.19.44
